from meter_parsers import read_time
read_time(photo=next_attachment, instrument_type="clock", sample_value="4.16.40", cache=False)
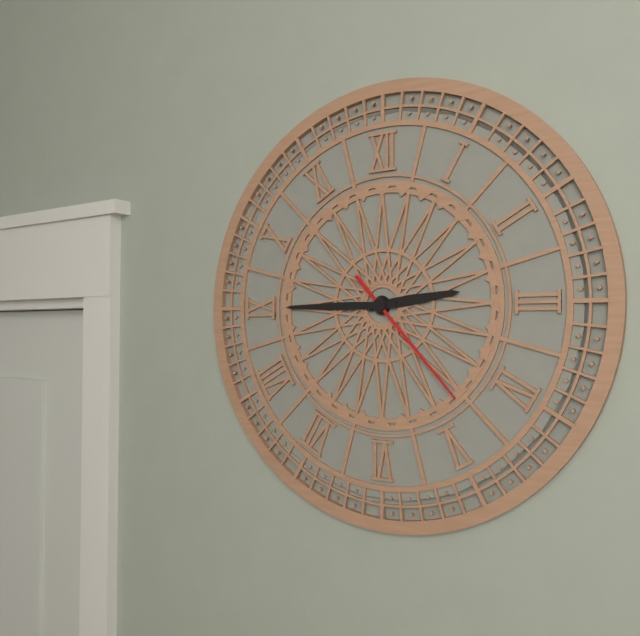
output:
2.45.23
